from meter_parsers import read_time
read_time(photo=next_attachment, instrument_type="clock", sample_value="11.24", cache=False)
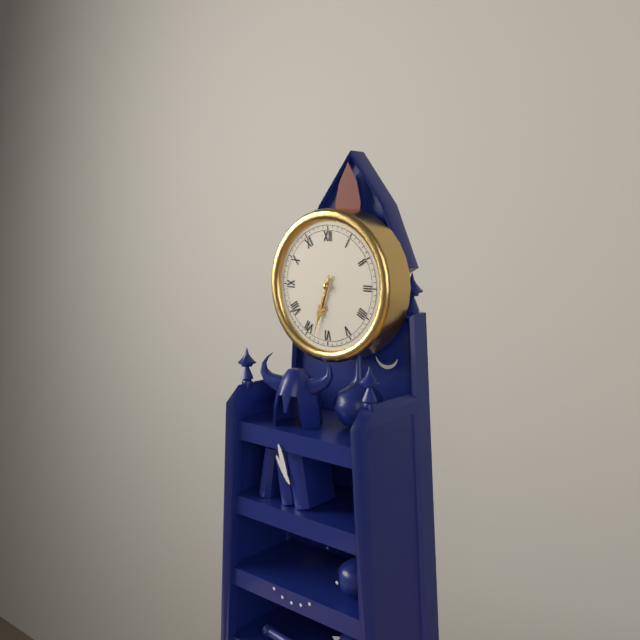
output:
6.33
